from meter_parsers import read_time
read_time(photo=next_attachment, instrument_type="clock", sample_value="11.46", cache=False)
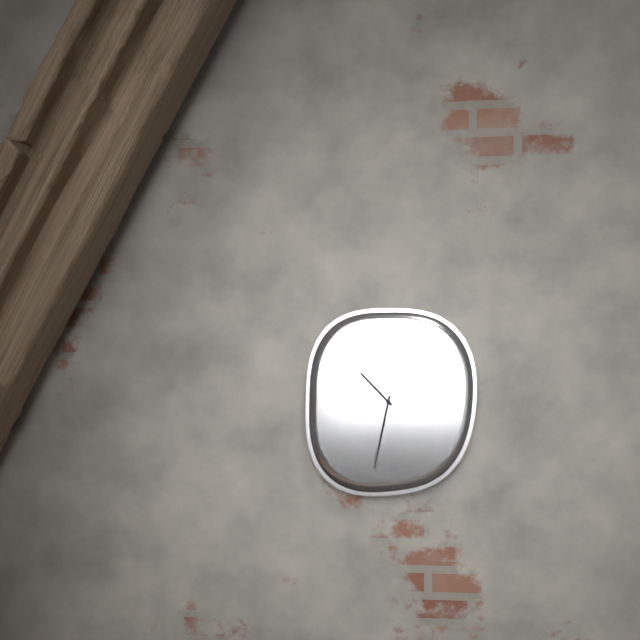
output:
10.32
